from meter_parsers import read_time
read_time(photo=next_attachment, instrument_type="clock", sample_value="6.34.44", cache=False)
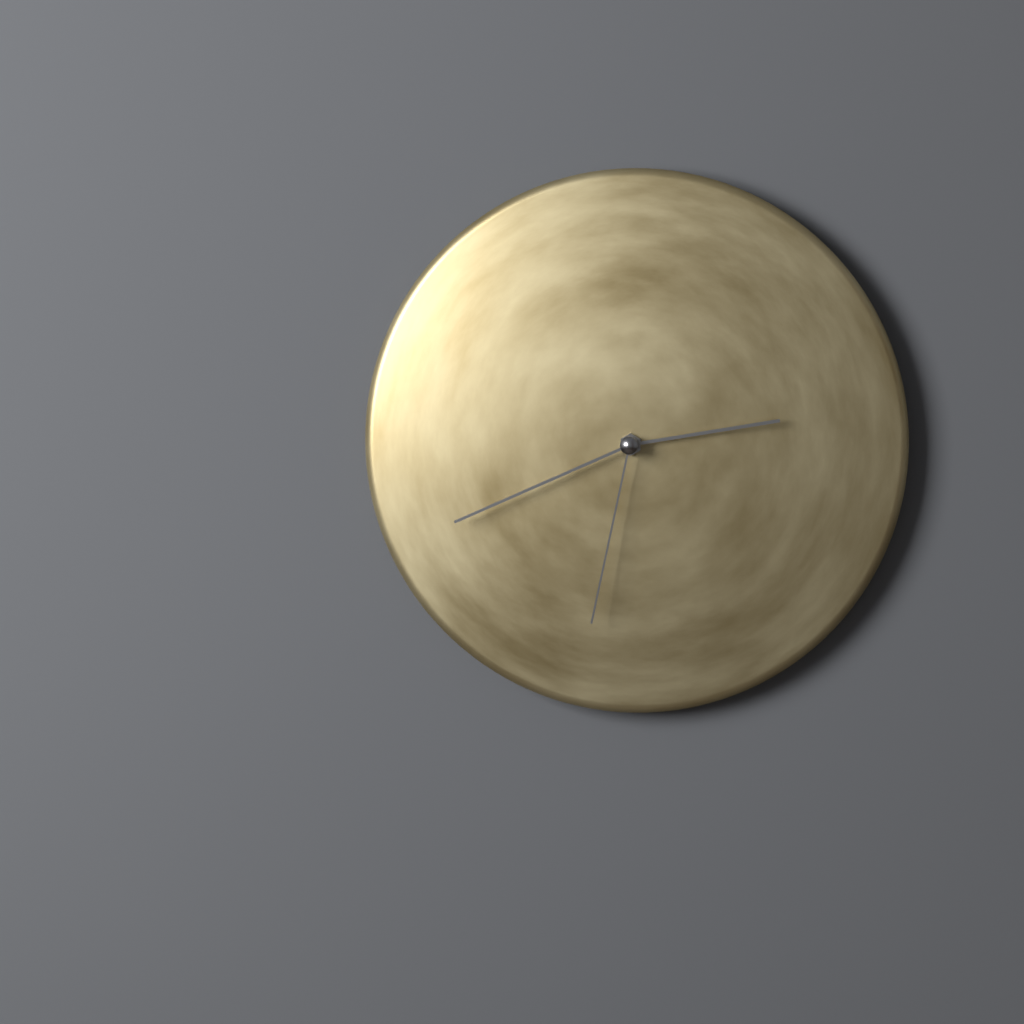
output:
2.41.32
